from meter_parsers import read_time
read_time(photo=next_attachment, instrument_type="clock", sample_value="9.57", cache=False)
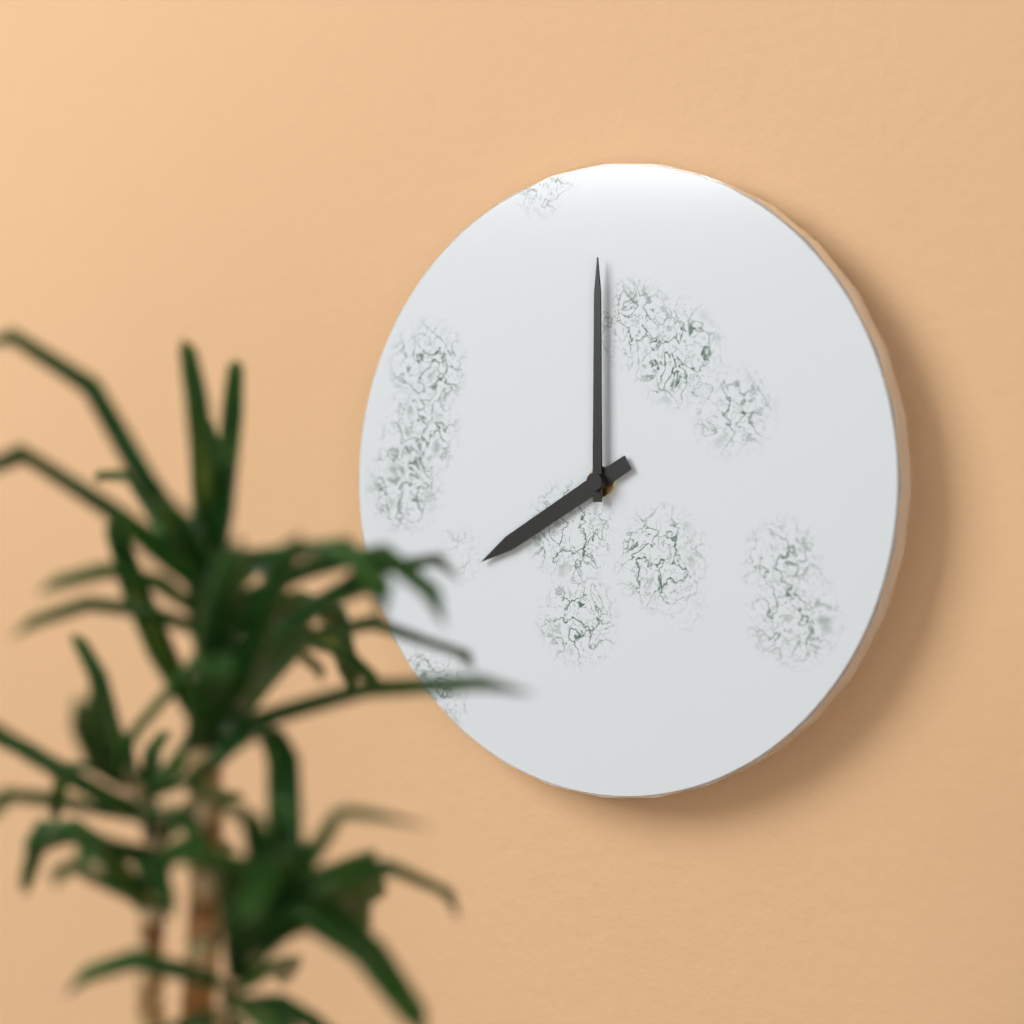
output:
8.00
